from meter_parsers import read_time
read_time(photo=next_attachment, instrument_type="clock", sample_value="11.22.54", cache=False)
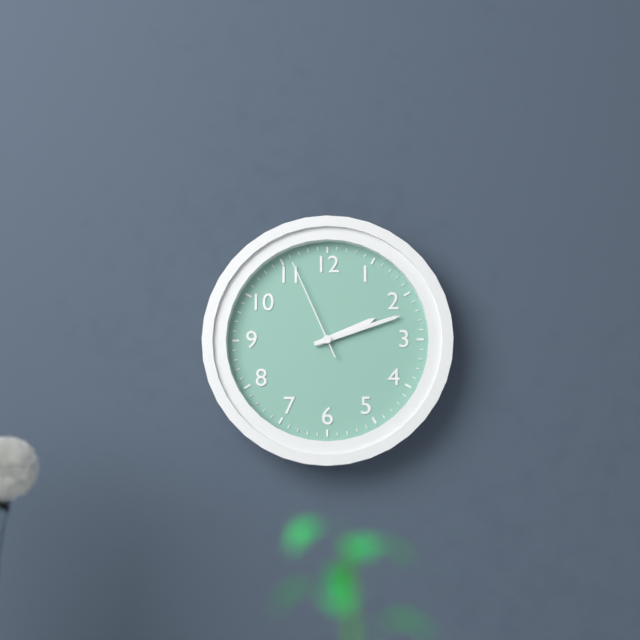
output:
2.12.56
